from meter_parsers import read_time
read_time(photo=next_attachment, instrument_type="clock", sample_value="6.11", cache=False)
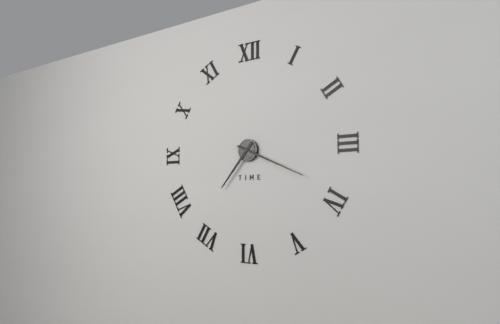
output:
7.19
